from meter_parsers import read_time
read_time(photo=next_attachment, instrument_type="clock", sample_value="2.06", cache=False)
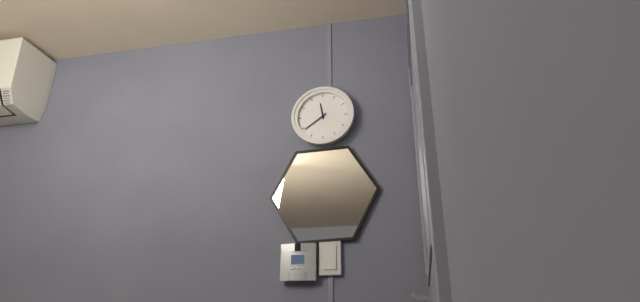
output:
11.39
